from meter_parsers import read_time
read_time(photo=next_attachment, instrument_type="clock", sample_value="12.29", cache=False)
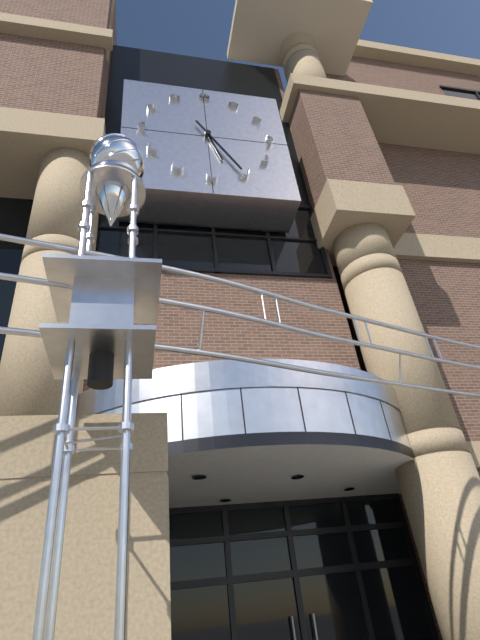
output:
5.25
